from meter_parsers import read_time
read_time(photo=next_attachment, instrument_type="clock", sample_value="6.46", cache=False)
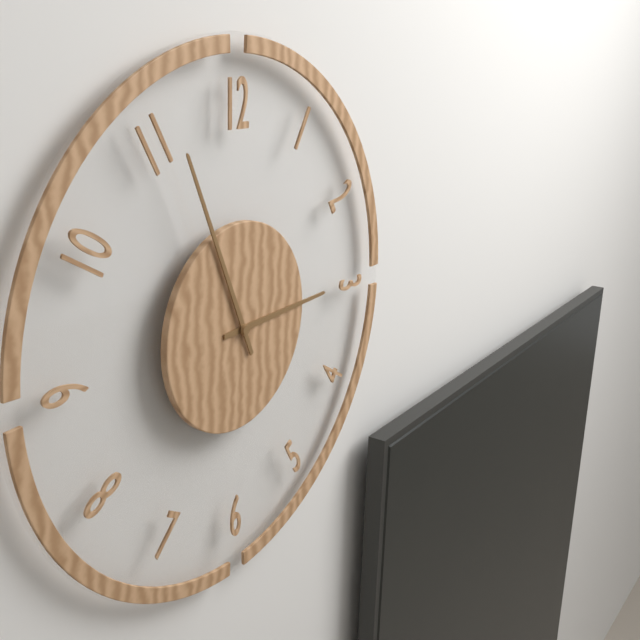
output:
2.56
